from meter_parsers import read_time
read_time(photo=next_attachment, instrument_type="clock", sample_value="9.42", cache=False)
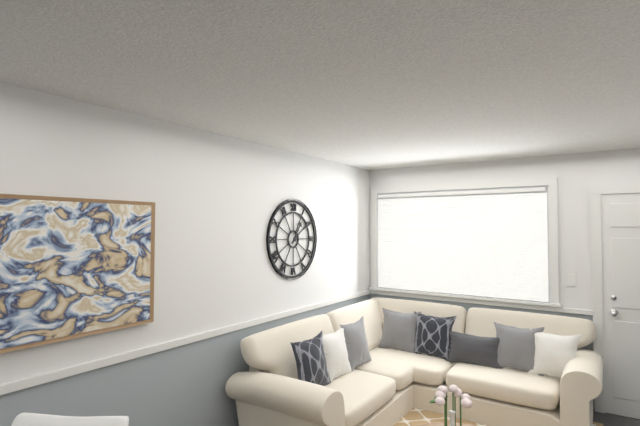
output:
1.09
